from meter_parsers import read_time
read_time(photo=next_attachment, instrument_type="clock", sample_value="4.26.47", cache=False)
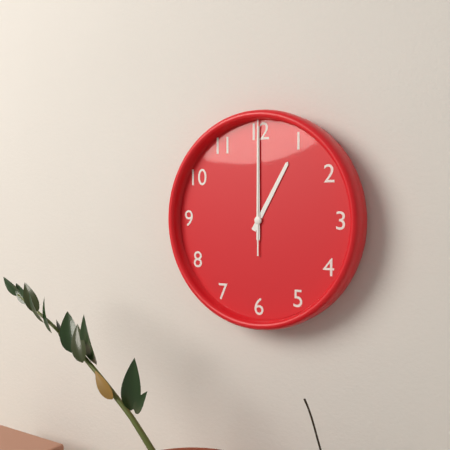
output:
1.00.00
